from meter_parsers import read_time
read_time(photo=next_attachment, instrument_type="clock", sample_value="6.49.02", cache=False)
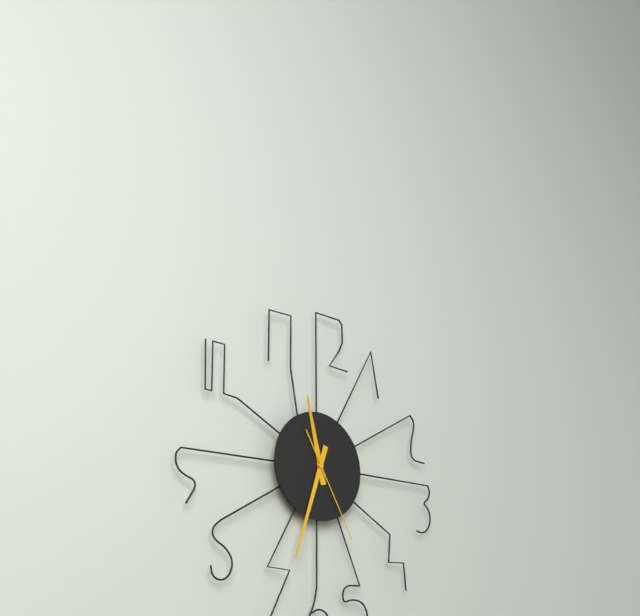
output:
11.33.25
